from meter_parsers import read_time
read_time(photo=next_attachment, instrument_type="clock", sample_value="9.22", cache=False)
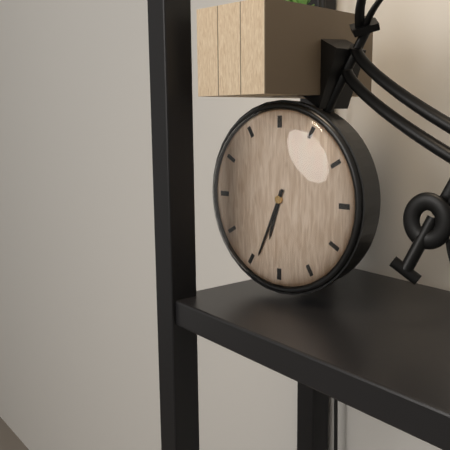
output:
6.34
